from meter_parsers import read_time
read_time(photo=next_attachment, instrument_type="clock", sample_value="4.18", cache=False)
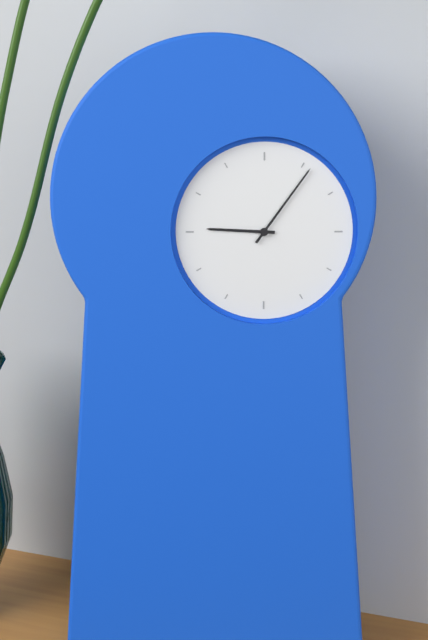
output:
9.06
